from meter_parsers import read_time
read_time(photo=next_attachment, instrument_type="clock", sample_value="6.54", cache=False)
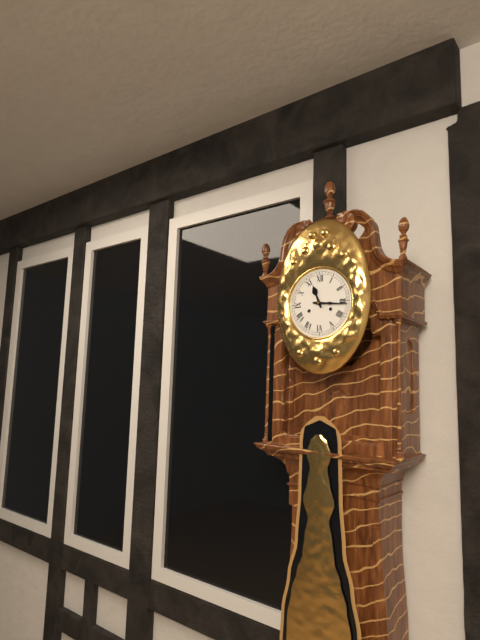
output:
11.16
